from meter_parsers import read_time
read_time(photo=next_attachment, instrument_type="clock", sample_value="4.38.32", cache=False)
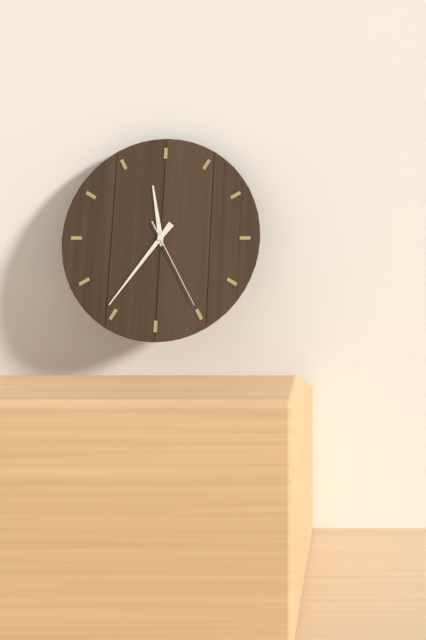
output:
11.36.25
